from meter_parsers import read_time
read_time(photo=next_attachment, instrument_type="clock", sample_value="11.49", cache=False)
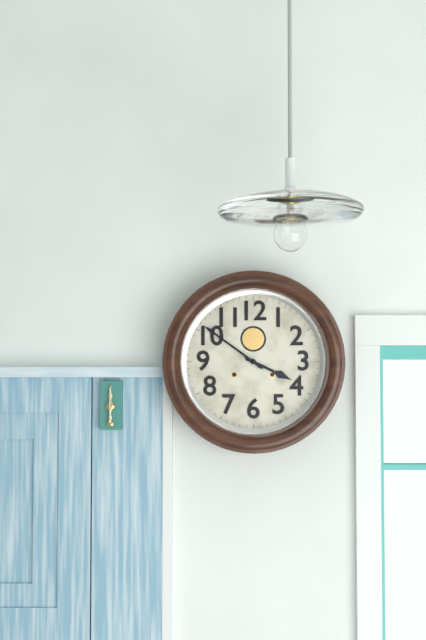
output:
3.51
